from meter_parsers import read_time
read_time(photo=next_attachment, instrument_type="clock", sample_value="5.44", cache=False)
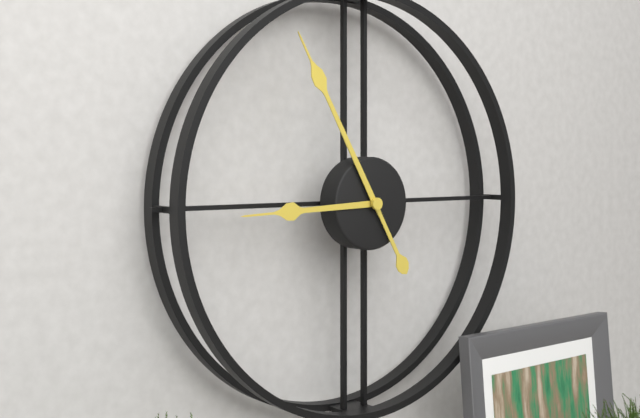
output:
8.55
